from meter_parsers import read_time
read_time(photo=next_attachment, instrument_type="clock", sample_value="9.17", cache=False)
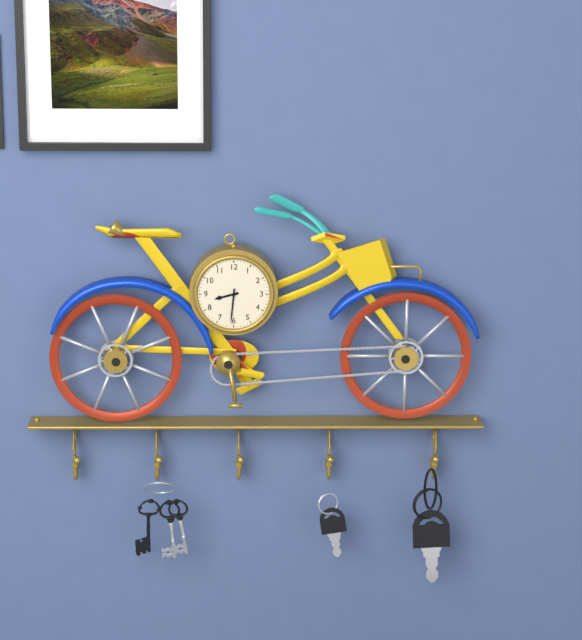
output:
8.31
